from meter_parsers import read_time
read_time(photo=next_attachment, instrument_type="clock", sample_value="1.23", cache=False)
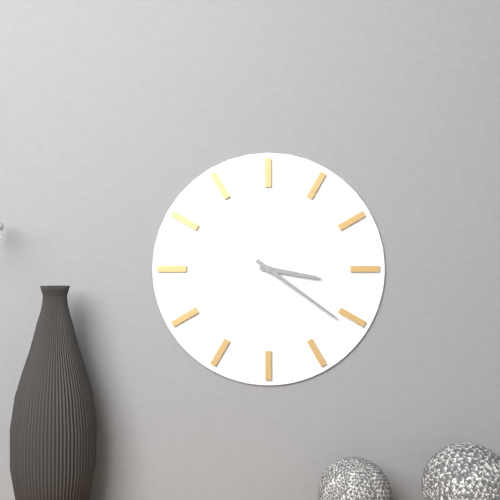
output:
3.21
